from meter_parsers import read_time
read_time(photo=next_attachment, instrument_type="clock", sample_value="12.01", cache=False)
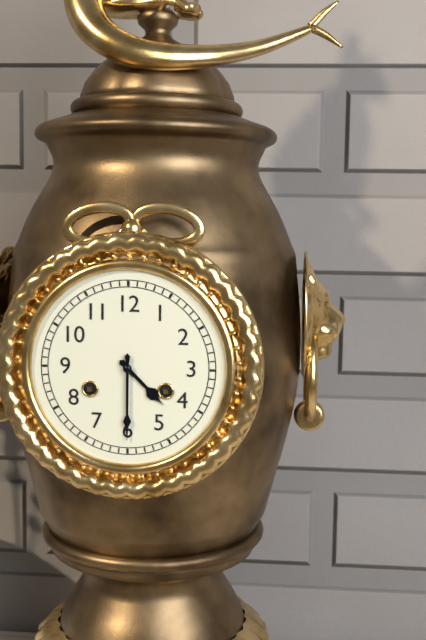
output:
4.30
